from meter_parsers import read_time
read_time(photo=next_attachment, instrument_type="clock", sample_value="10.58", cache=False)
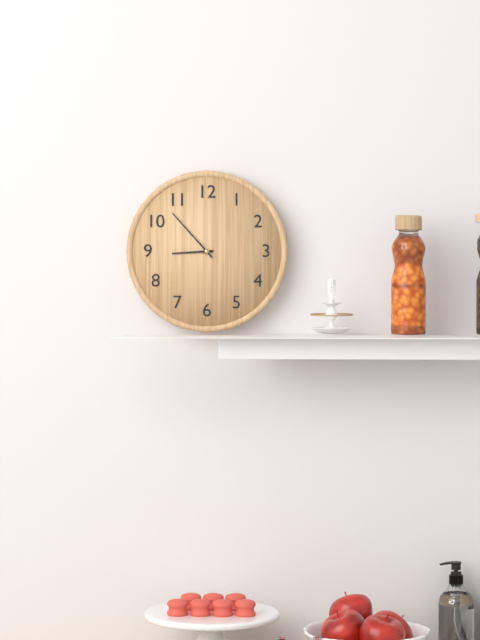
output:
8.53
